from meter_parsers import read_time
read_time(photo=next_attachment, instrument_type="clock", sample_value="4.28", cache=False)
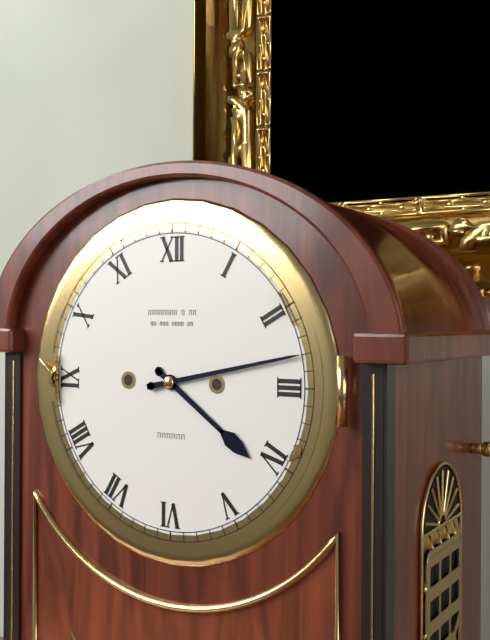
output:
4.13
